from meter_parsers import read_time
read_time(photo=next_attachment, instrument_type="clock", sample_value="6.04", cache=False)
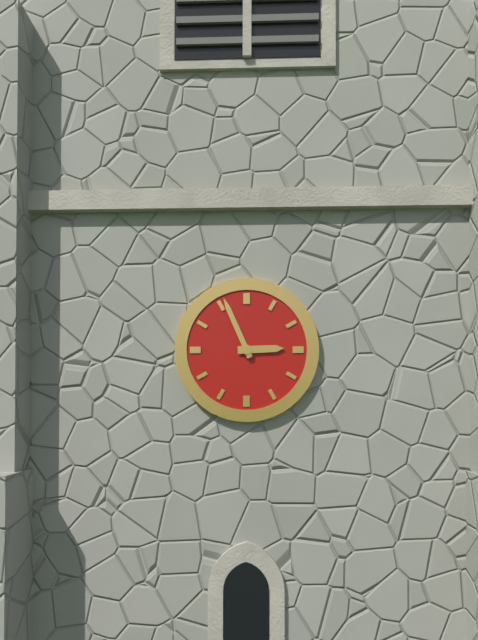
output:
2.56
